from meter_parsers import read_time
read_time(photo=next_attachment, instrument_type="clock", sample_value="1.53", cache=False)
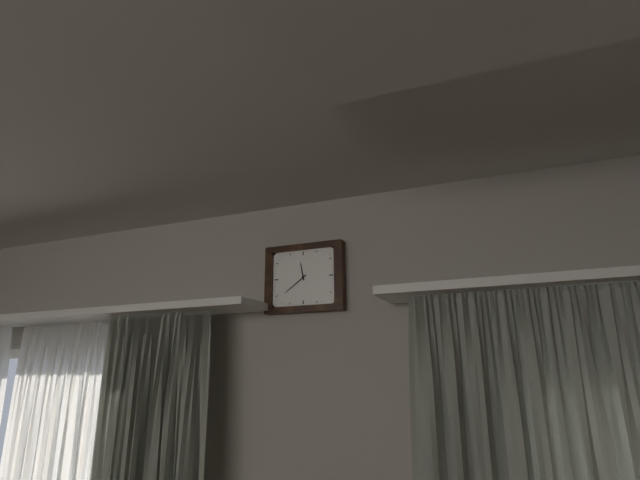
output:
11.39
